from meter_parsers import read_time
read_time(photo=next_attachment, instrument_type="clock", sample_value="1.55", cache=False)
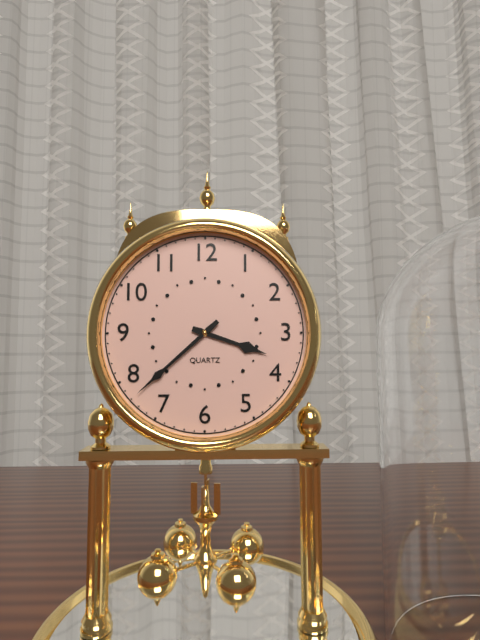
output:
3.38
